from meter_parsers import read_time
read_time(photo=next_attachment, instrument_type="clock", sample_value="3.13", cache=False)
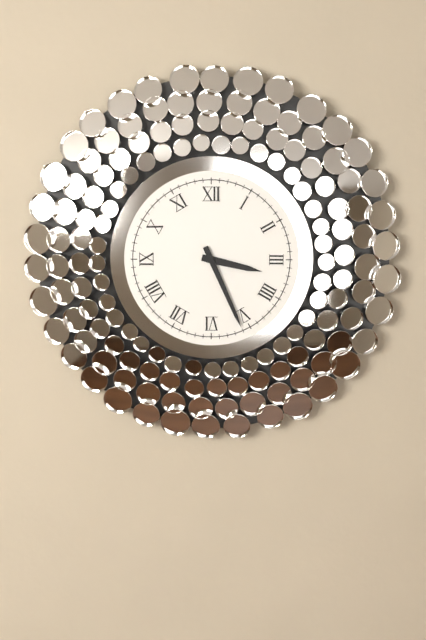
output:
3.26
